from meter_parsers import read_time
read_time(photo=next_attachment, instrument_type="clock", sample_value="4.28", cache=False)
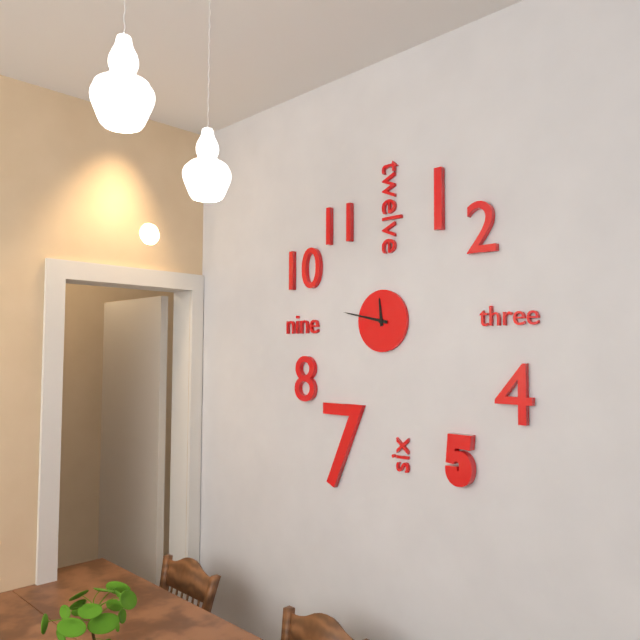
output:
11.47
